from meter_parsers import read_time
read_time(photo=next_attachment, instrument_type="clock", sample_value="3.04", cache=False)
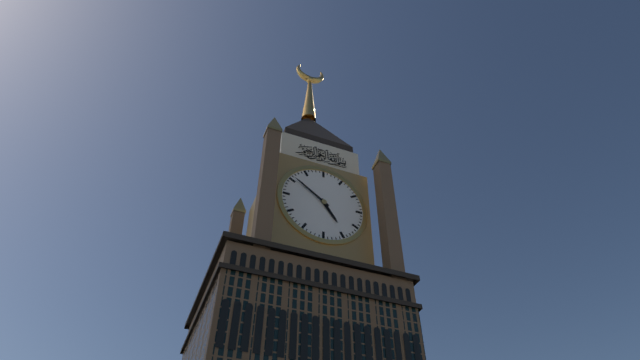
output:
4.51
